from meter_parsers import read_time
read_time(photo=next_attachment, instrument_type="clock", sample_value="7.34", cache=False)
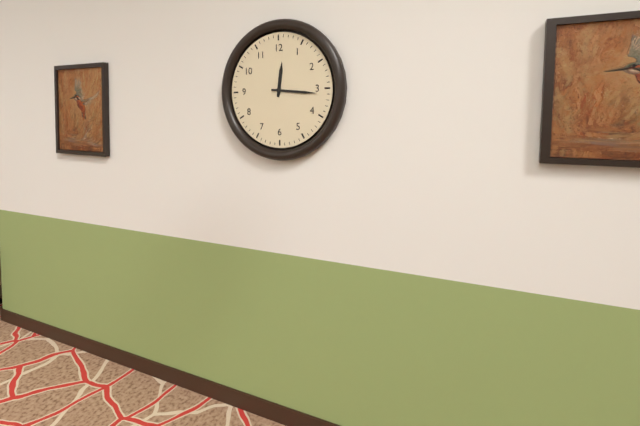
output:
12.16
